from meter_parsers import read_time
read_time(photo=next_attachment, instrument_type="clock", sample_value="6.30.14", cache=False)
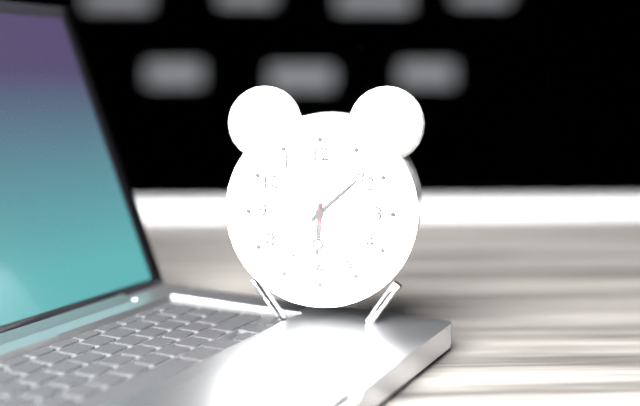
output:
6.08.59
